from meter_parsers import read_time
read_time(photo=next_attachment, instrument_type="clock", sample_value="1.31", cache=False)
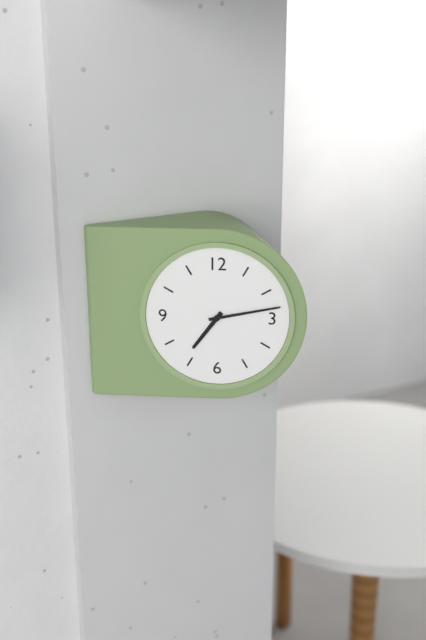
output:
7.13
